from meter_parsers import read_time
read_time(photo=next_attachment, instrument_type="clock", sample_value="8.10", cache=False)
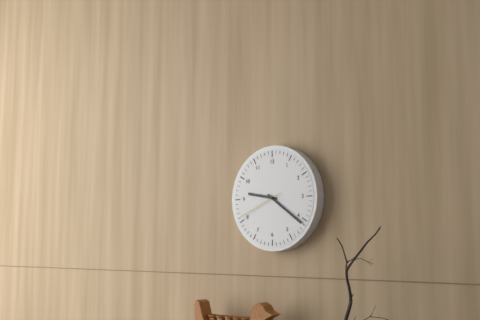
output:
9.21
